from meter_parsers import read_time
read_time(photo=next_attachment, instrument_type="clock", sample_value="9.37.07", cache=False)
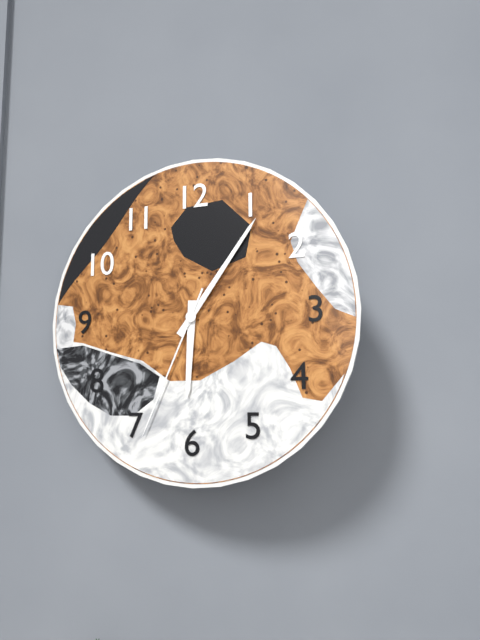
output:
6.06.34
